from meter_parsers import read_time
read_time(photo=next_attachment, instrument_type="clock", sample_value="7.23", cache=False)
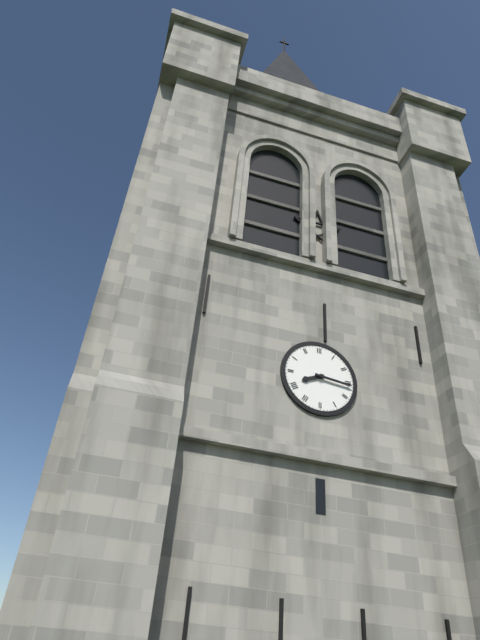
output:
8.16
